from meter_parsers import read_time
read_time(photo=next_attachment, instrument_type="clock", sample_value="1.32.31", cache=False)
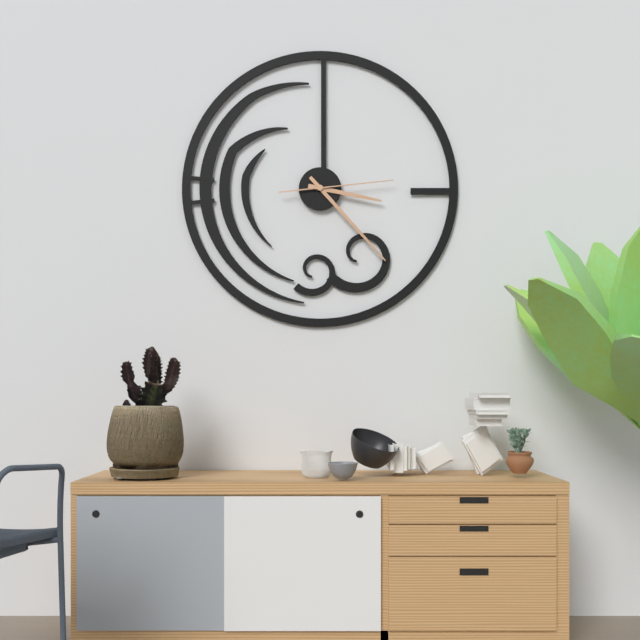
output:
3.23.14
